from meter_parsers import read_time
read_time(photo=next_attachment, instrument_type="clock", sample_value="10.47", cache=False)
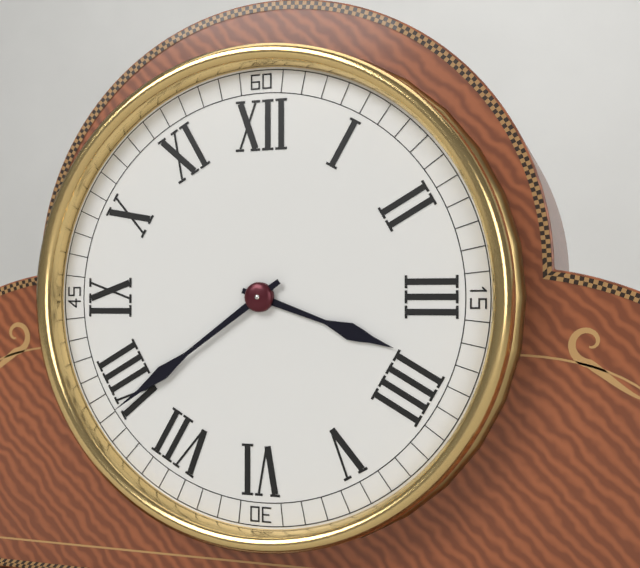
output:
3.39
